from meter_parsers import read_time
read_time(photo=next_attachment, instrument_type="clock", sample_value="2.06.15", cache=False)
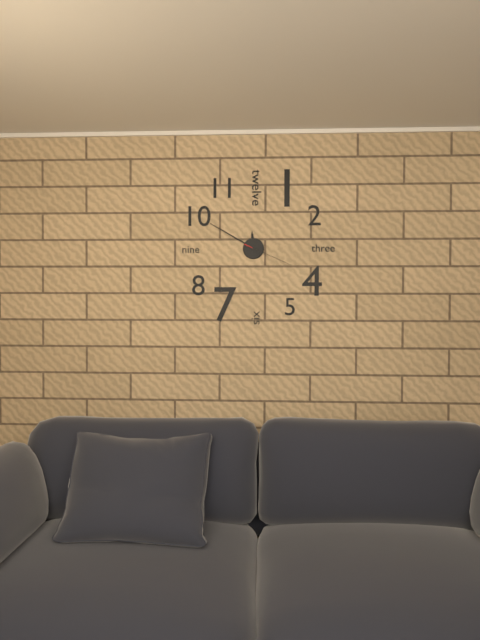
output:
11.50.19
